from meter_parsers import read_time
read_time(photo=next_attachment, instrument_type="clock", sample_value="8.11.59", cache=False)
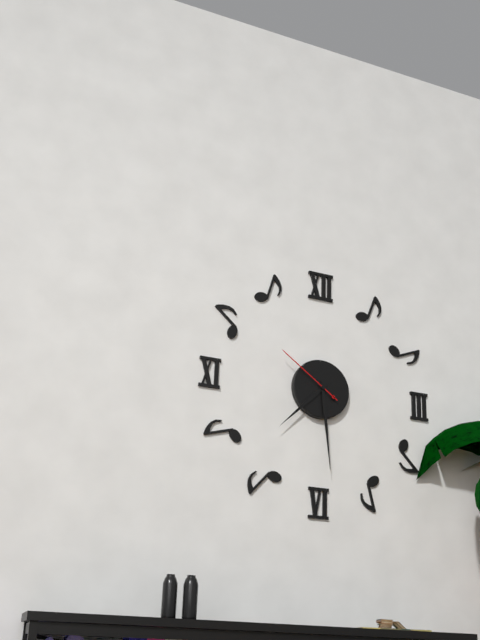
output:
7.29.51
